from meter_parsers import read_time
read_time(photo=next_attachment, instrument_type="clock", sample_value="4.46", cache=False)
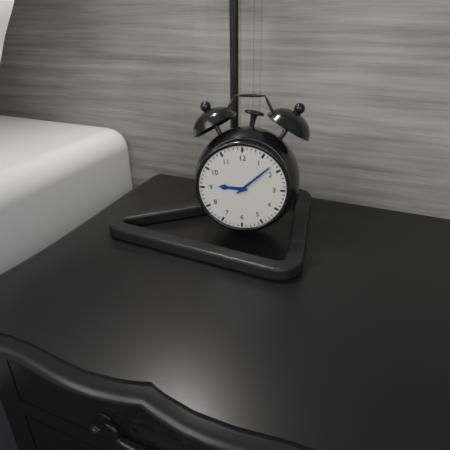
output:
9.08
